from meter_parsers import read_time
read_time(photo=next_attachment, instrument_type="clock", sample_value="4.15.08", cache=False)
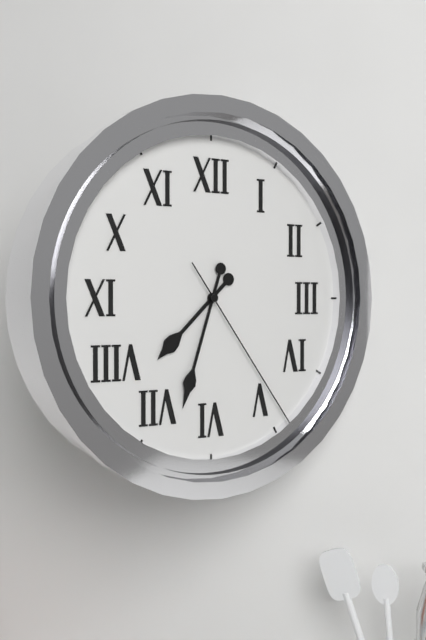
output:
7.33.24
